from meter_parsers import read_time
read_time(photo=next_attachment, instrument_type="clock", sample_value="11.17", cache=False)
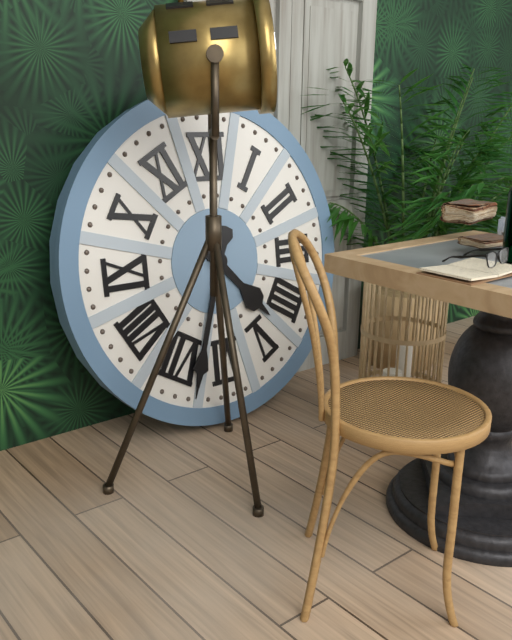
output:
4.33
